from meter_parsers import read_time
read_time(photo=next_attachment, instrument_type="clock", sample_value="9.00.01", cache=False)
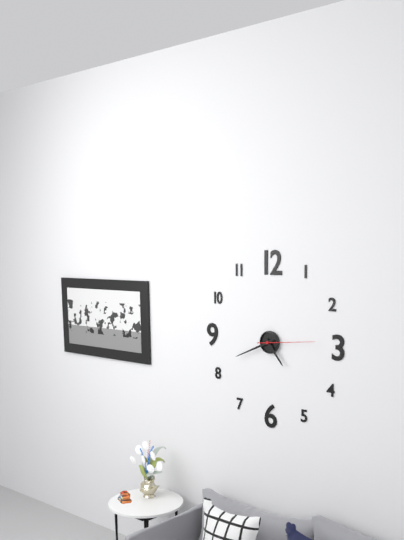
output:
4.41.14
